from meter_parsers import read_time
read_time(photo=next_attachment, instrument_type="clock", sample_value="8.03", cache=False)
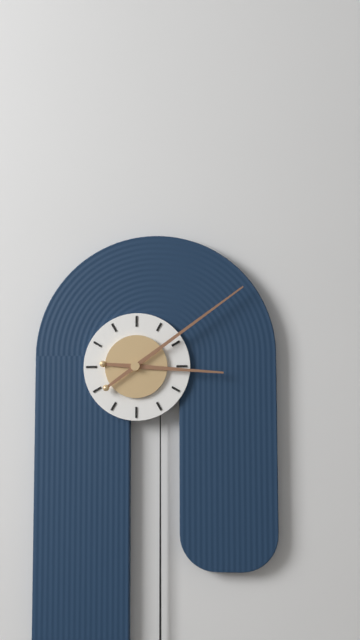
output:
3.09
